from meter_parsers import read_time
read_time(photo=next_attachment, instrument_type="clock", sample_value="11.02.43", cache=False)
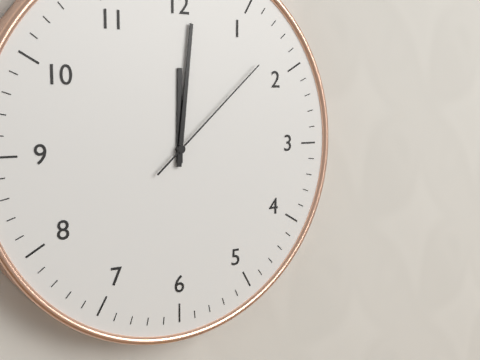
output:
12.01.08
